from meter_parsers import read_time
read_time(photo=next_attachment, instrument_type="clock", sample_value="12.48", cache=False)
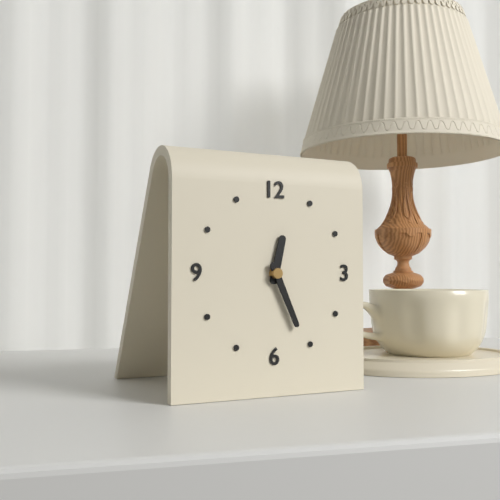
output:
12.26
